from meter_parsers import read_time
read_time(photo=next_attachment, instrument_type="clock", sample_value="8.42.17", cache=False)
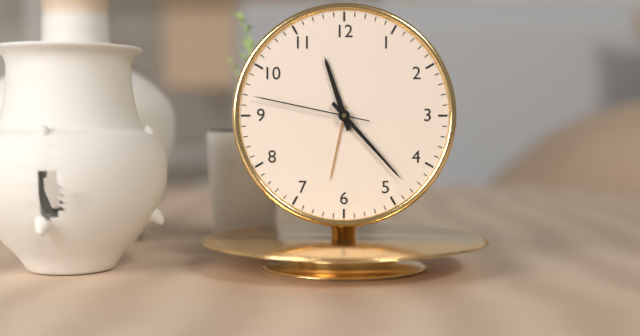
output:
11.23.47
